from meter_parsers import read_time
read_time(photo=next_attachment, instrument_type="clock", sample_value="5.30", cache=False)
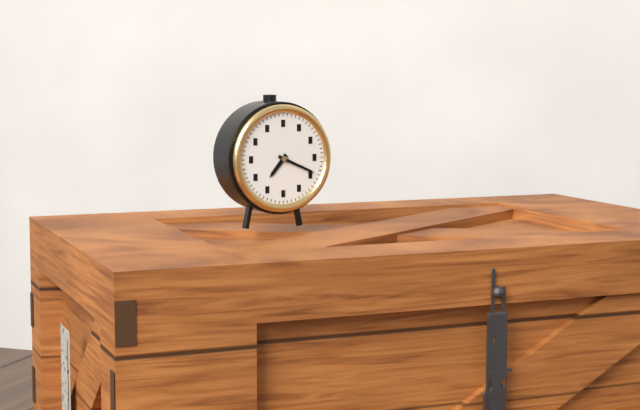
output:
7.19
